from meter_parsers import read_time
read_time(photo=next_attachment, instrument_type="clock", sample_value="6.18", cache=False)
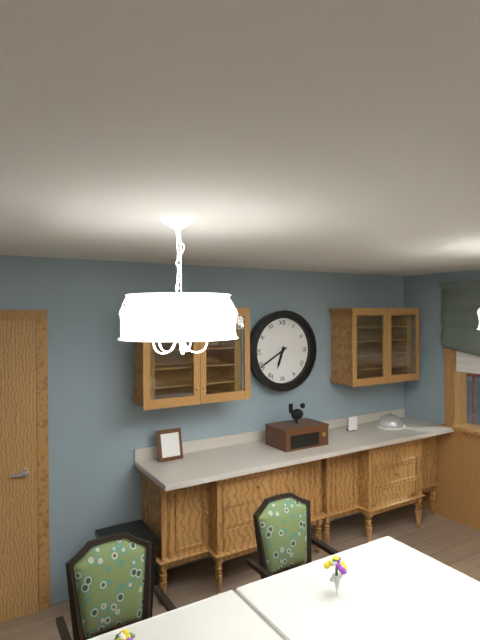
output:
6.40
